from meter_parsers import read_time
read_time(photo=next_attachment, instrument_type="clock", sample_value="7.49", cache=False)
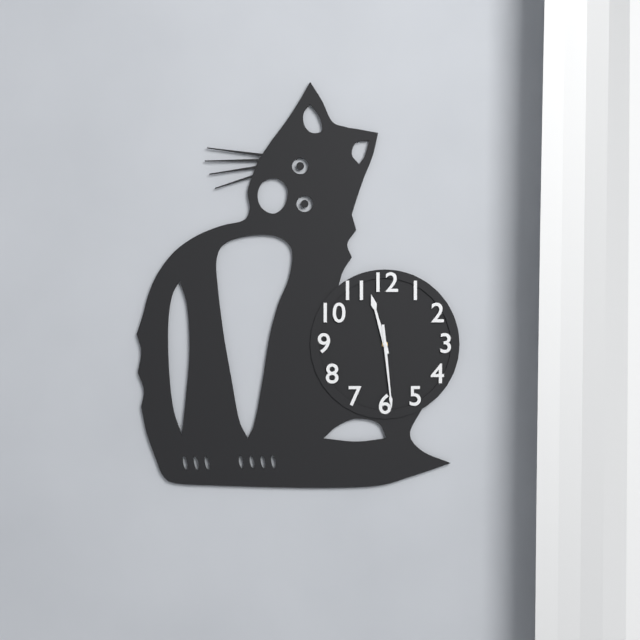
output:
11.29
